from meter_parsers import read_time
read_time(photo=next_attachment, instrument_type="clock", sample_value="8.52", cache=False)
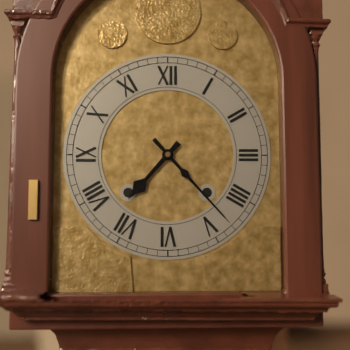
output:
7.23
